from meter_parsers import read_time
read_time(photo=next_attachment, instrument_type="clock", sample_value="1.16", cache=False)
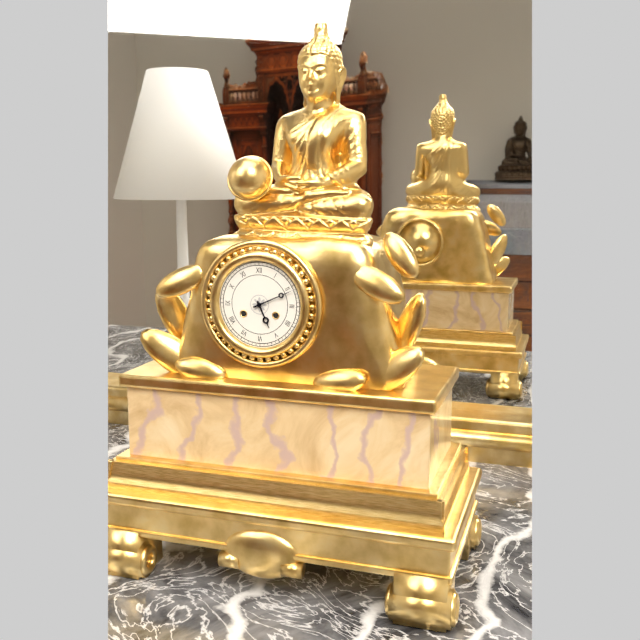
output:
5.11
